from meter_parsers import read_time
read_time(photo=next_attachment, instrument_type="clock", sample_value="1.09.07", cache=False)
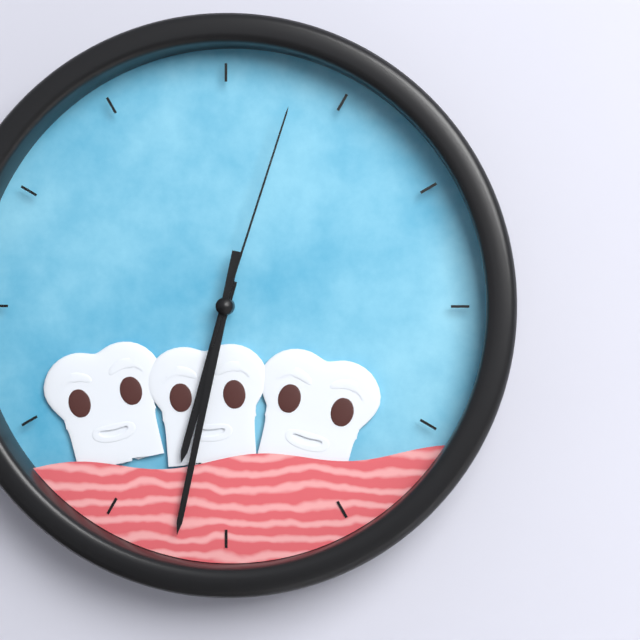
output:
6.32.03
